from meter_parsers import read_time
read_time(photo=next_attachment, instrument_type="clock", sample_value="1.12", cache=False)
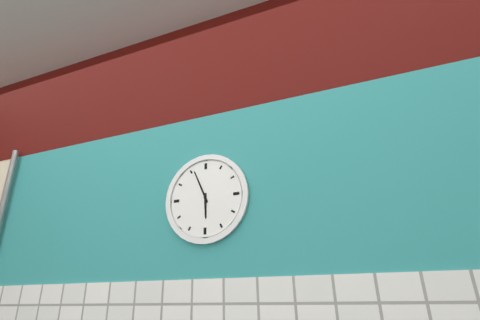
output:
5.56
